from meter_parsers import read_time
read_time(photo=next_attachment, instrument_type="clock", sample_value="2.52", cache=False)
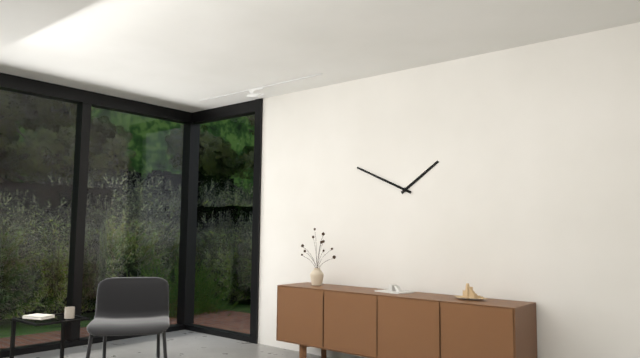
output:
1.49
